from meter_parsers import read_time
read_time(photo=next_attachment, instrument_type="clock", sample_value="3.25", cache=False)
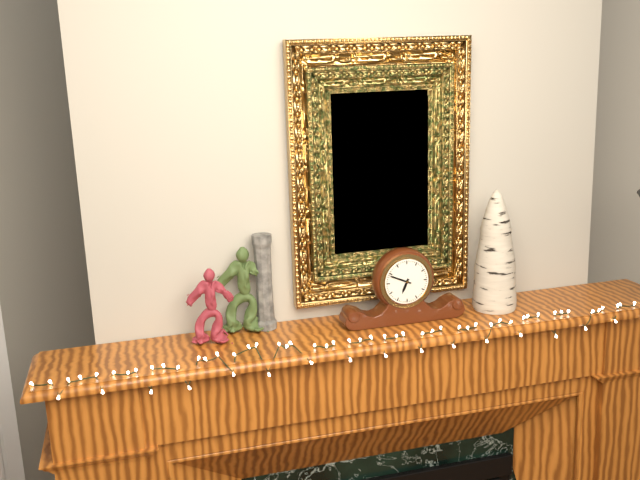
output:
6.49
